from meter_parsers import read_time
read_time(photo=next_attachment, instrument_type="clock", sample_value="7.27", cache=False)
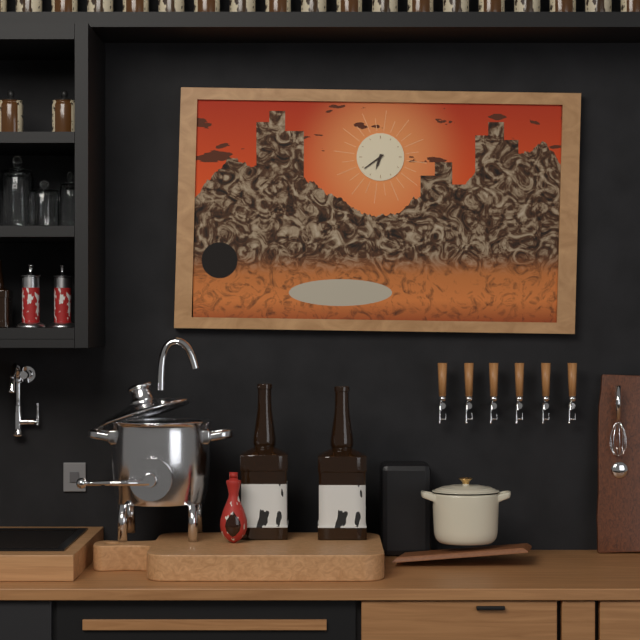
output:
6.39
